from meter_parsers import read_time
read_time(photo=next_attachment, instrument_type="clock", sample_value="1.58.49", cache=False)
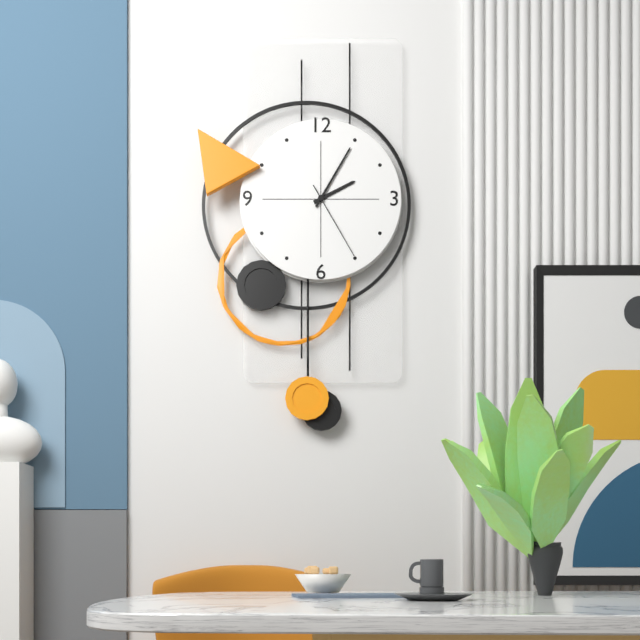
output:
2.05.25
